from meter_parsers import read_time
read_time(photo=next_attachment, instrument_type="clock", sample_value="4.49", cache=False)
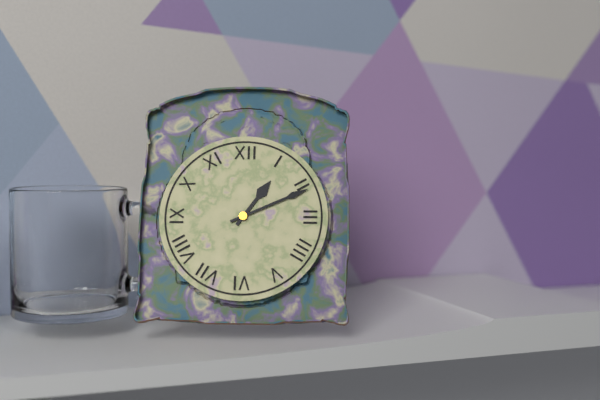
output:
1.11
